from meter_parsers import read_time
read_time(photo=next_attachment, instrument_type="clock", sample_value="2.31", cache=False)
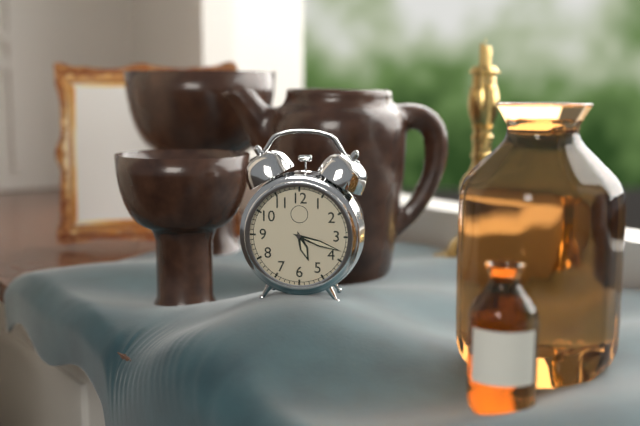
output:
5.18
